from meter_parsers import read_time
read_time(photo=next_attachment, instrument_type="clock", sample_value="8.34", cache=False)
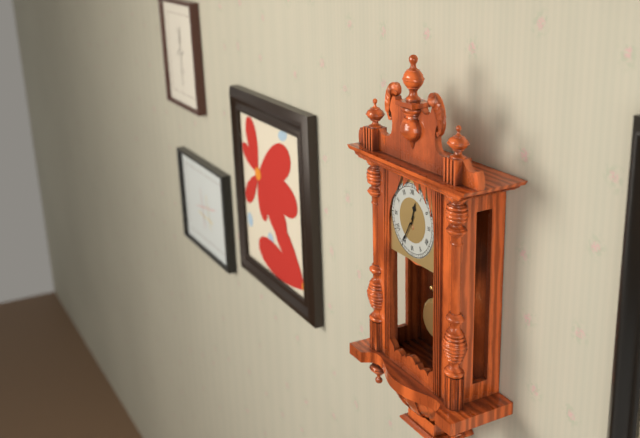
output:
12.35
